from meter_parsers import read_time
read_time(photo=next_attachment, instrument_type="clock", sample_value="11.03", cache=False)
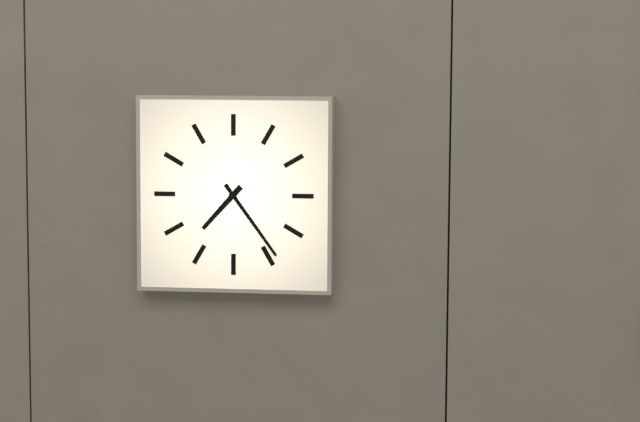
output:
7.24
